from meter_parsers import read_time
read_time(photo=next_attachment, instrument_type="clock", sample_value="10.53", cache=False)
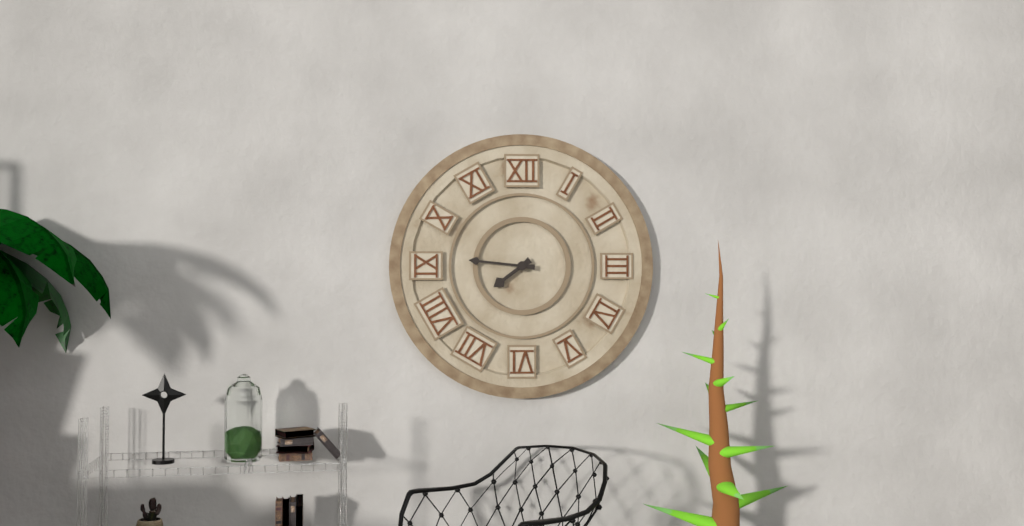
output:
7.46
